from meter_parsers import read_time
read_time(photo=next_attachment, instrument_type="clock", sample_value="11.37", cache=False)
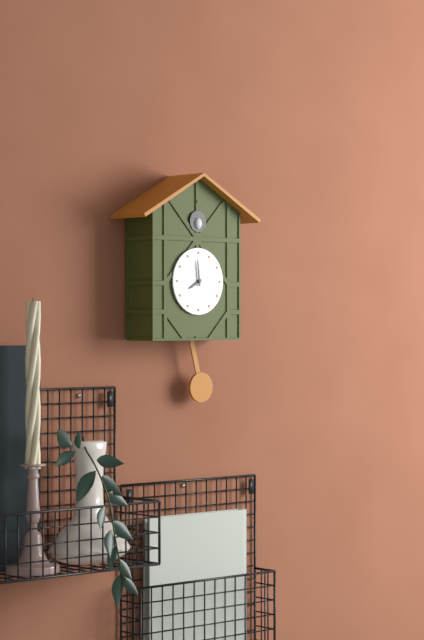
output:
7.59
